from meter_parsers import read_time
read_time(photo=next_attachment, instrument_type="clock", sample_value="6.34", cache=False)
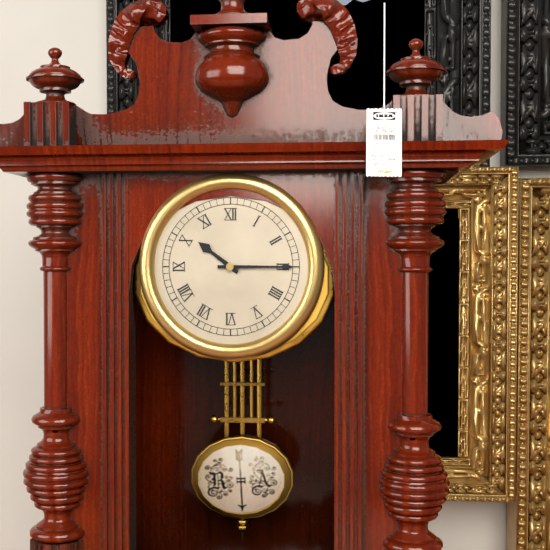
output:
10.15
